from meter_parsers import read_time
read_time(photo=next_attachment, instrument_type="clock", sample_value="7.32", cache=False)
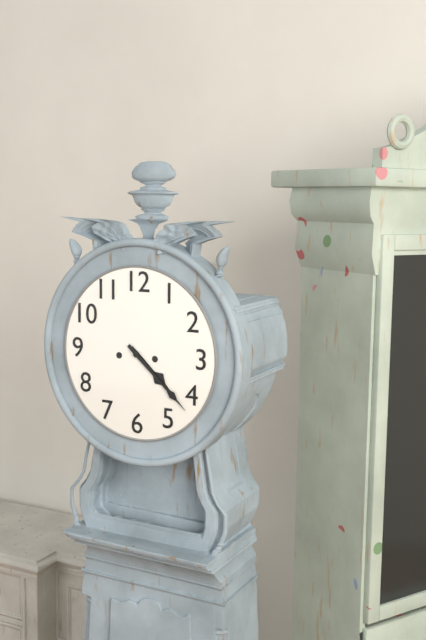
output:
4.22
